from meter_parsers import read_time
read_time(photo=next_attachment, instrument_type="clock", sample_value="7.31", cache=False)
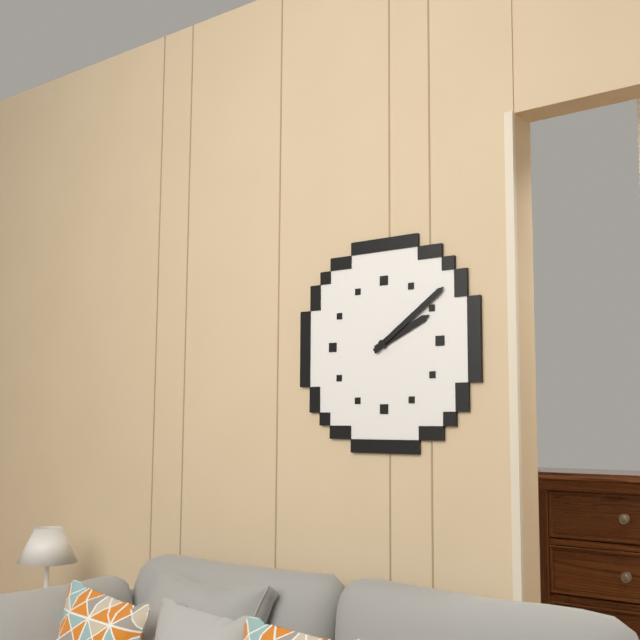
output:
2.09
